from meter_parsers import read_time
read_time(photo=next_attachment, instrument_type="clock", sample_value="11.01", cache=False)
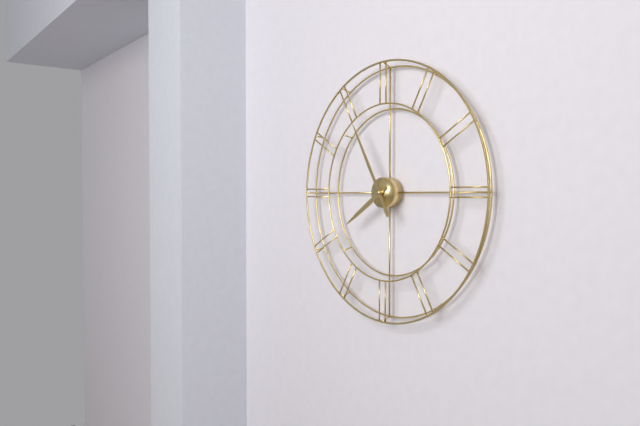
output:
7.55
